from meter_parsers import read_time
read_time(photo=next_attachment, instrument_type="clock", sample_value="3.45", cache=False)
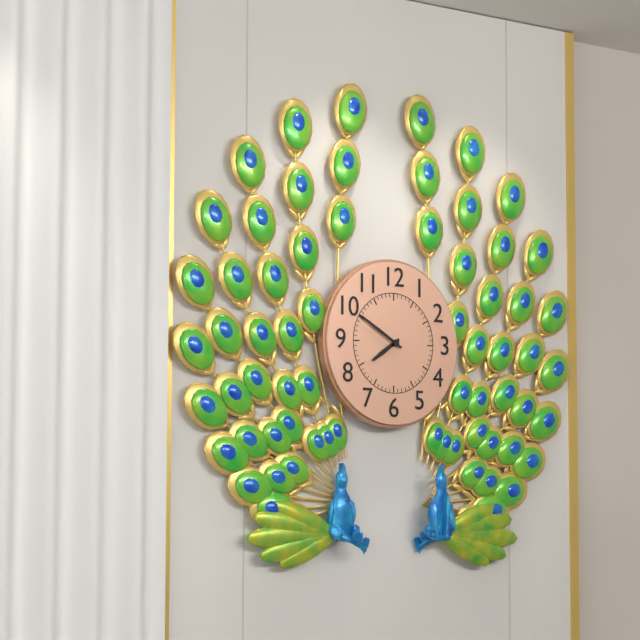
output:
7.50
